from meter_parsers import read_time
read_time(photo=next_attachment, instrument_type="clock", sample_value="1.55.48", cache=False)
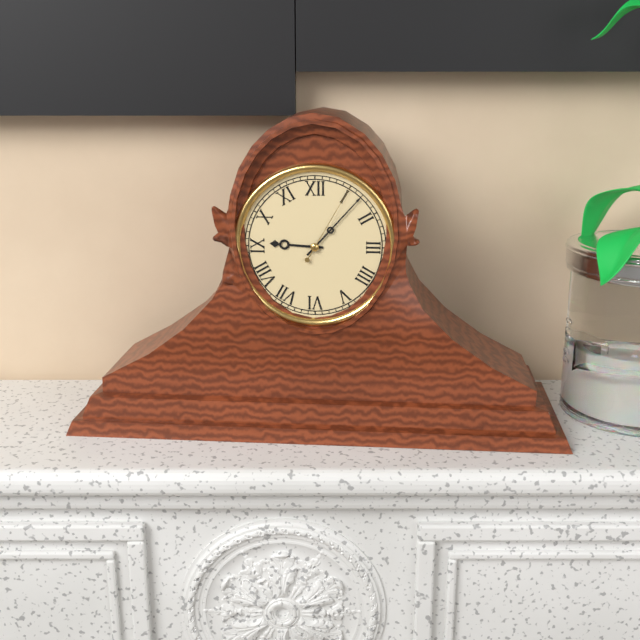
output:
9.07.05
